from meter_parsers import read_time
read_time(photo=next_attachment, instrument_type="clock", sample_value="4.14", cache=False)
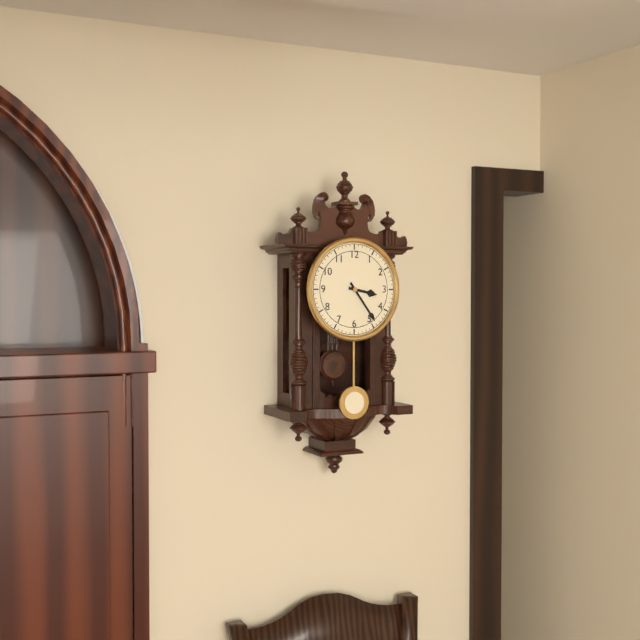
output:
3.24
